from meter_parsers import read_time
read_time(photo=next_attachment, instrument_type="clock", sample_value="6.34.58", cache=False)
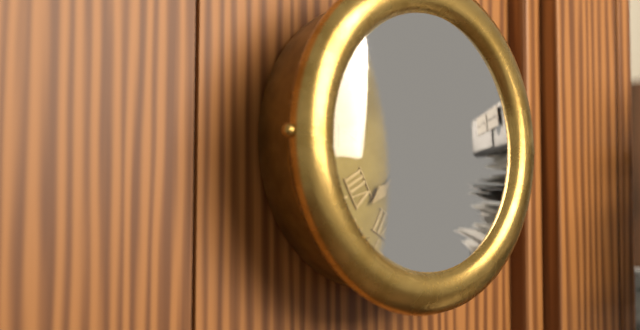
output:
6.38.16
